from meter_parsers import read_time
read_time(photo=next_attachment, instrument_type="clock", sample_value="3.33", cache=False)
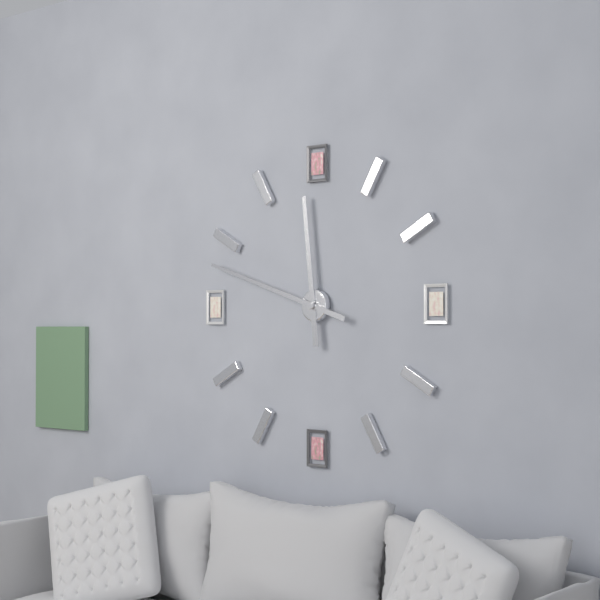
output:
11.48
